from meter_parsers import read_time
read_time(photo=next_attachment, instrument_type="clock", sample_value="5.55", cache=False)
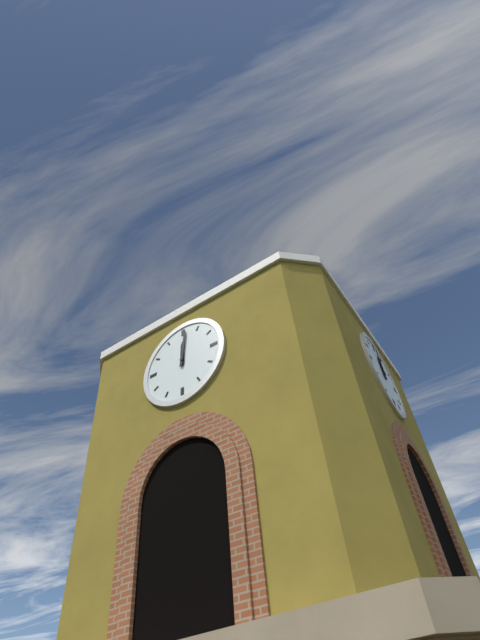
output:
12.01
